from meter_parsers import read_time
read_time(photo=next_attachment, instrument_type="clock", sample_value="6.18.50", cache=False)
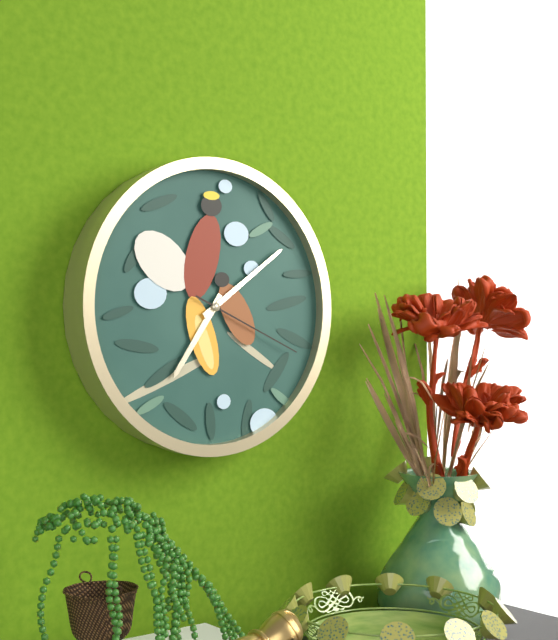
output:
7.09.19
